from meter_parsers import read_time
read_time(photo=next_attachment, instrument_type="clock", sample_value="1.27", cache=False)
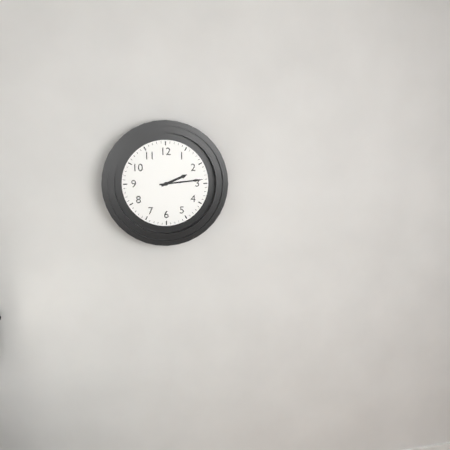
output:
2.14
